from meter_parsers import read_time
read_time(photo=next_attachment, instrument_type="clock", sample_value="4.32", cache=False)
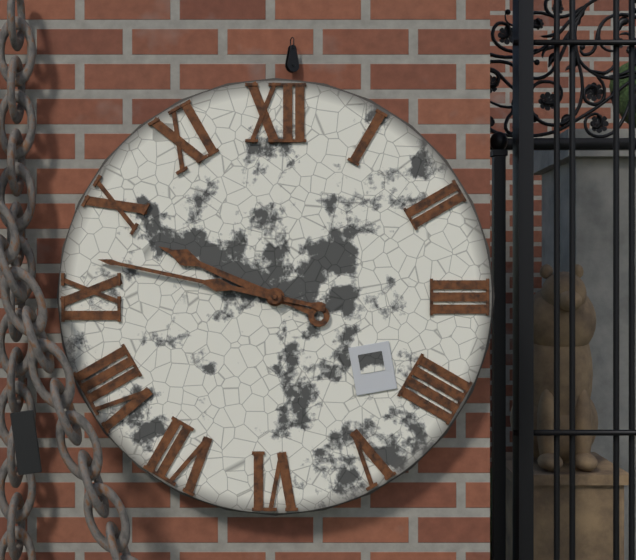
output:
9.47
